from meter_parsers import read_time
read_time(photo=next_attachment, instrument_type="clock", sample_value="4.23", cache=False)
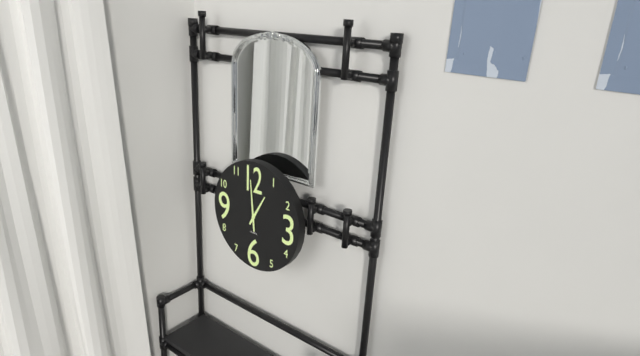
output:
12.59
